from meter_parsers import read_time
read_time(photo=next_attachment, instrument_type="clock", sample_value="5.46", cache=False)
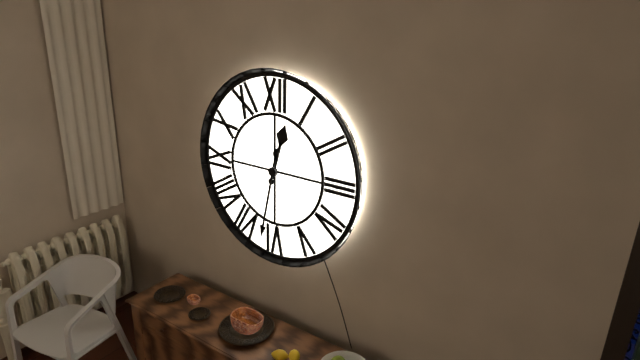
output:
12.32
